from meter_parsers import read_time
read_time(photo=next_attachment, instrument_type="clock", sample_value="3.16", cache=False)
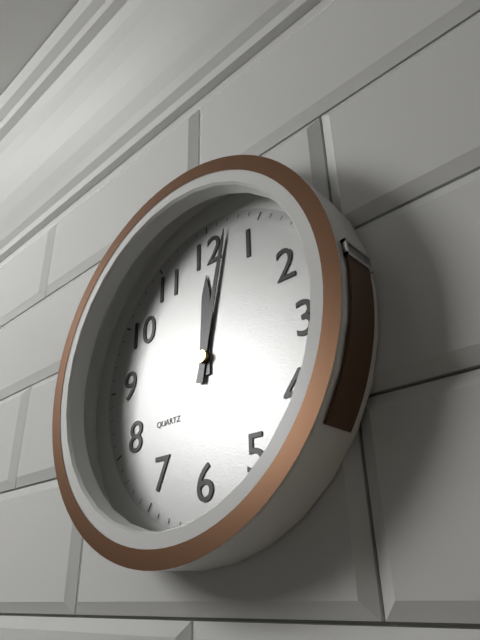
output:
12.02
